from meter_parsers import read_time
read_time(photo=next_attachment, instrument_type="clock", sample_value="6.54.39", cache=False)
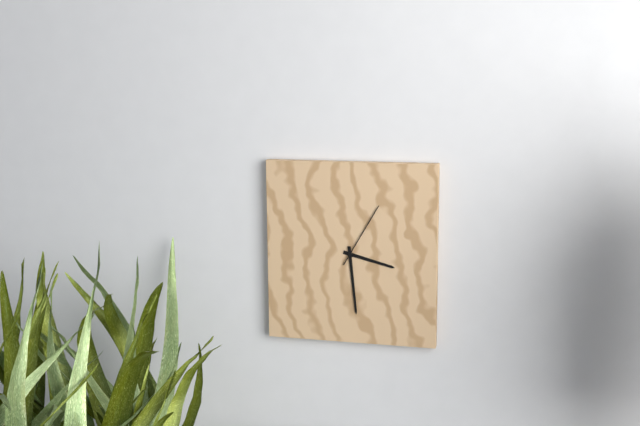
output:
3.29.05
